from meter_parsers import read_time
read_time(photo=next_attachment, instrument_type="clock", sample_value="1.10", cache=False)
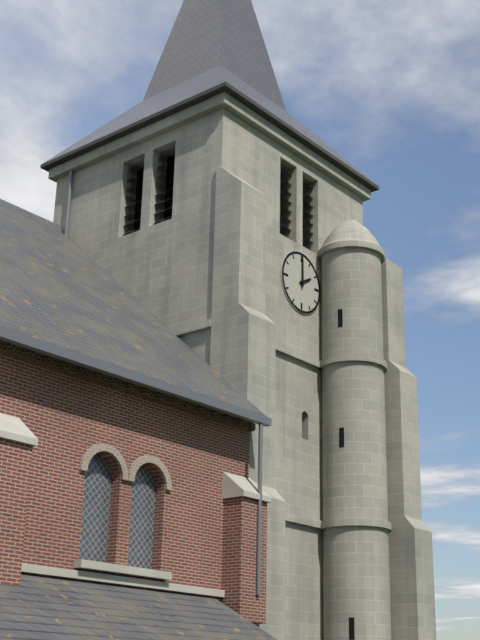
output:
2.00
